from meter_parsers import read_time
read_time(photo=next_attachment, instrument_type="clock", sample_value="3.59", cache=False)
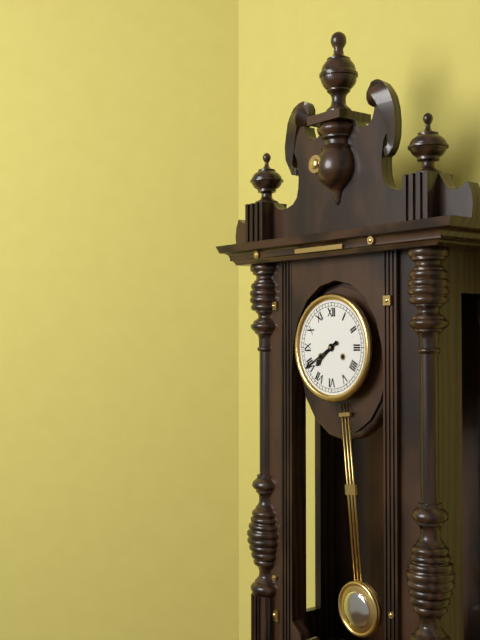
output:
7.40
